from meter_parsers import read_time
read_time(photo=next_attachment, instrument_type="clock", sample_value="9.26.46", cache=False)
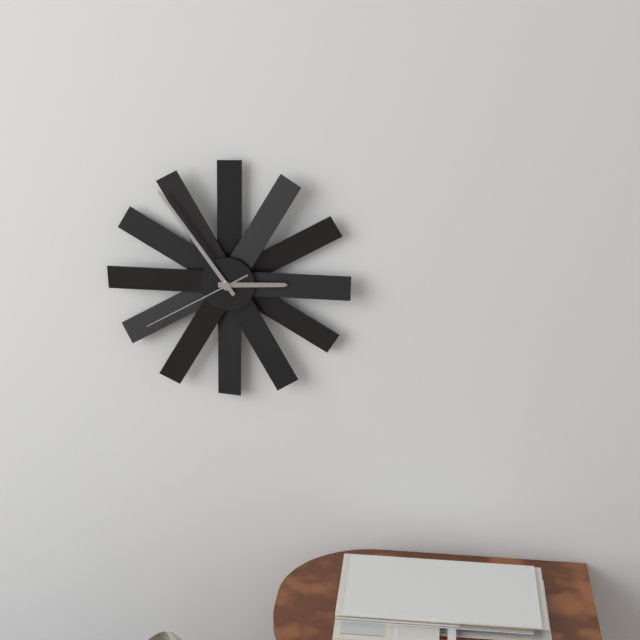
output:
2.54.40
